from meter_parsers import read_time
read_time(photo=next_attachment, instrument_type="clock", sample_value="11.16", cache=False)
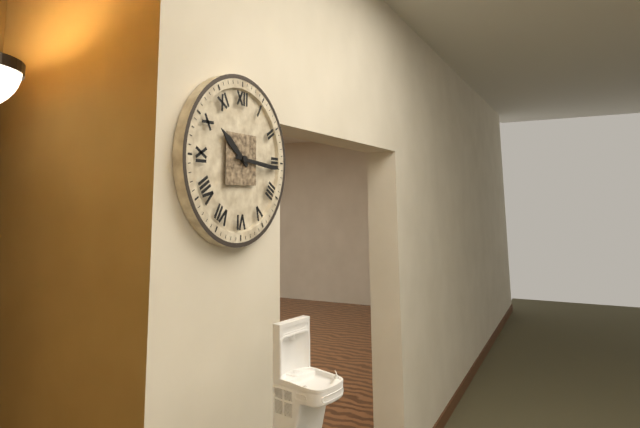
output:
10.16
